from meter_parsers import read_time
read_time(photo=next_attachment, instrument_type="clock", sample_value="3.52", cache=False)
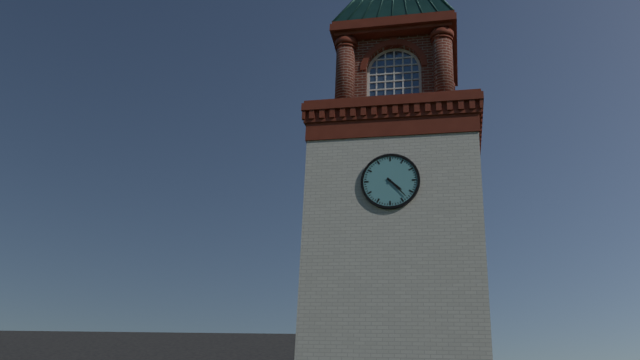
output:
4.23
